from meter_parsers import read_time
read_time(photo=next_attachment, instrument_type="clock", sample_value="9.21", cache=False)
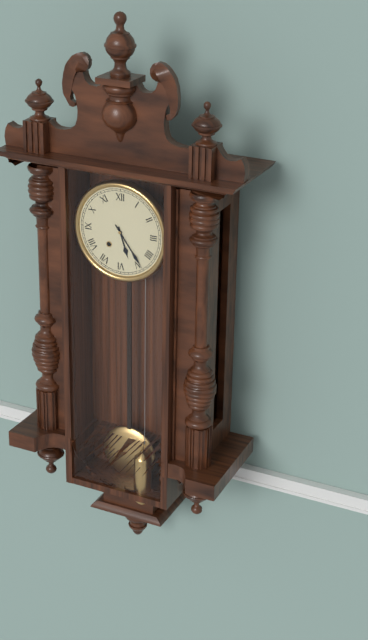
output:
5.24
